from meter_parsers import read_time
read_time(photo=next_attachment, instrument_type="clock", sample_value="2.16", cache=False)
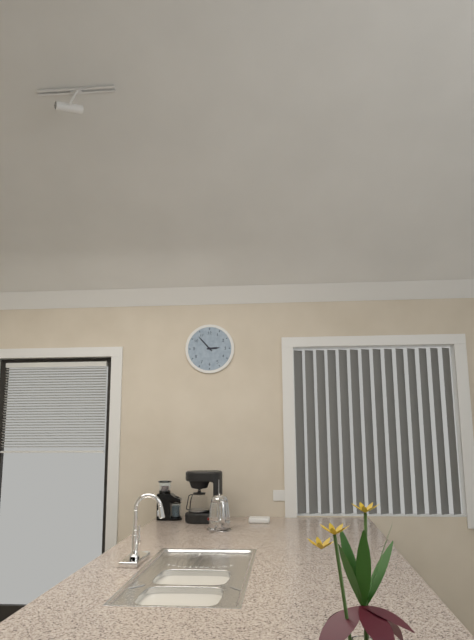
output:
2.53
